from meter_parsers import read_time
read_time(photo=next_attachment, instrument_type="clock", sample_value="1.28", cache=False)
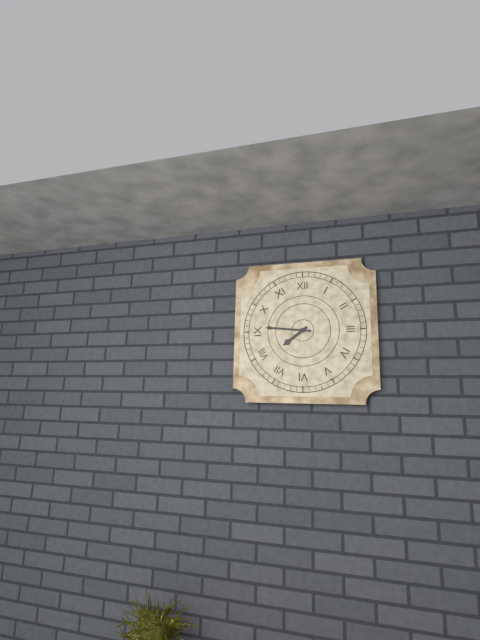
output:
7.46
